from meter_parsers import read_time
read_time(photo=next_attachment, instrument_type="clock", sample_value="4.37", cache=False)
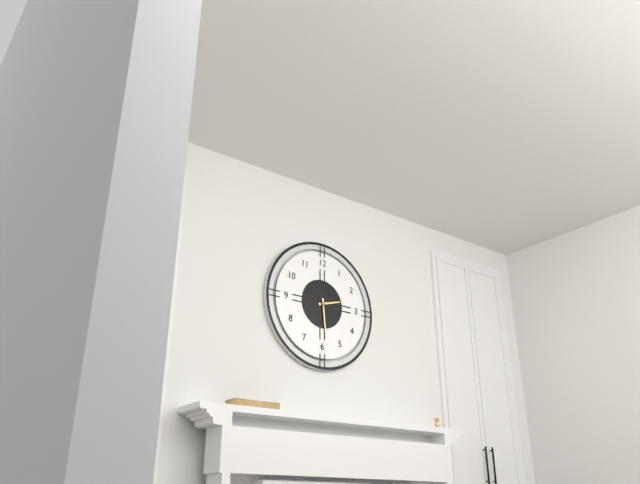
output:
2.29
